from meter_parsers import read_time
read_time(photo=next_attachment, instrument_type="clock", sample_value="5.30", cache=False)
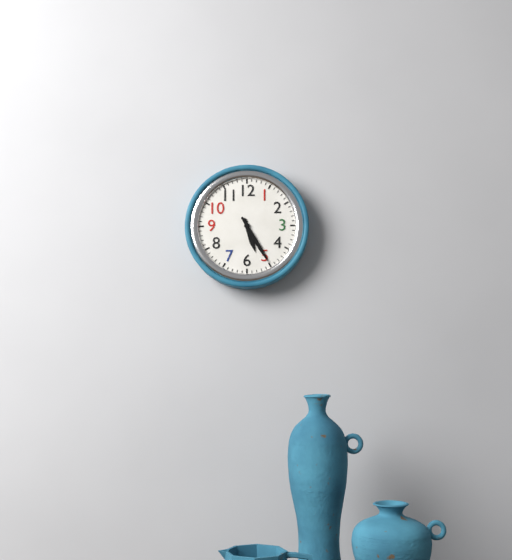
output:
5.25
